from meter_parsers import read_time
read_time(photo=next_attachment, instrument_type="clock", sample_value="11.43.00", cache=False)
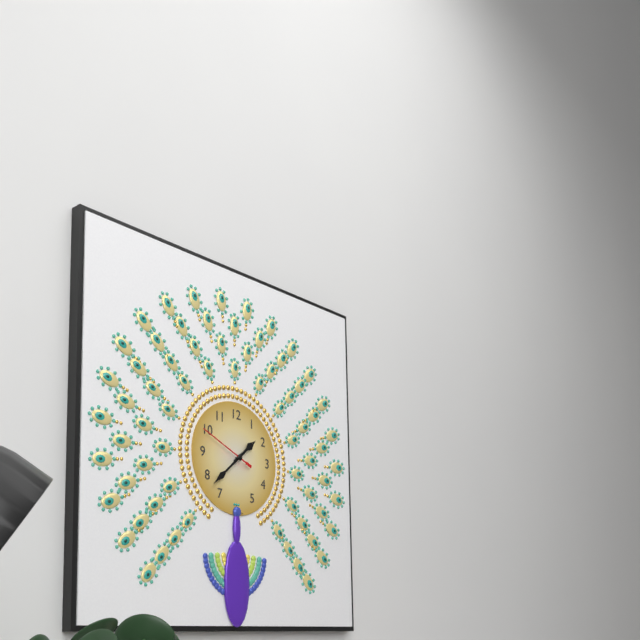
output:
1.38.49
